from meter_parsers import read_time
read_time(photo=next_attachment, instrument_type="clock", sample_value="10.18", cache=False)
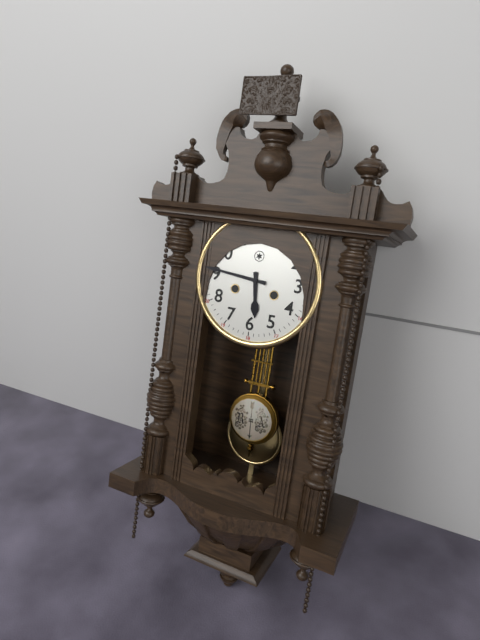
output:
5.46
